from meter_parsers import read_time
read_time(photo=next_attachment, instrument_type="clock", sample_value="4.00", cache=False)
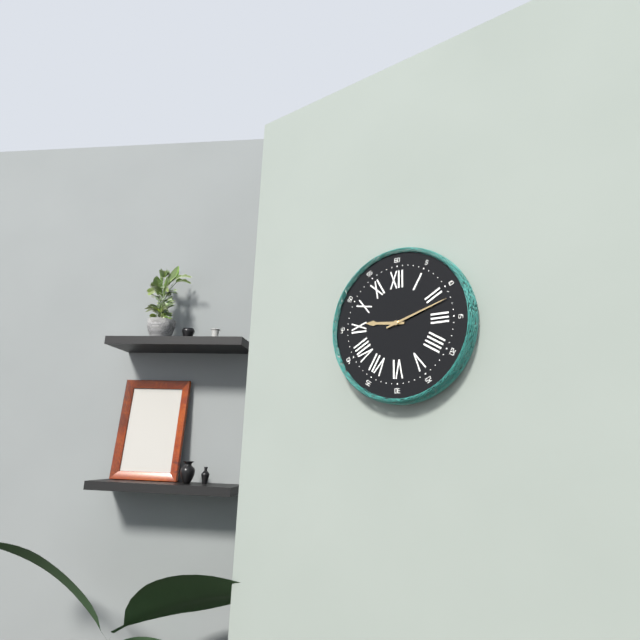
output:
9.12
